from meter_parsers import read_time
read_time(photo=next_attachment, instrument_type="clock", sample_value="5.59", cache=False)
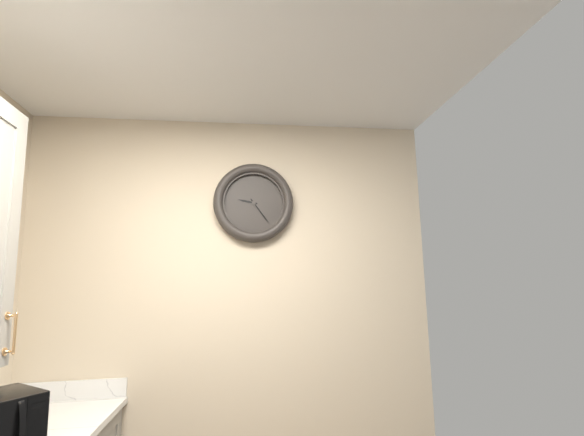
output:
9.24
